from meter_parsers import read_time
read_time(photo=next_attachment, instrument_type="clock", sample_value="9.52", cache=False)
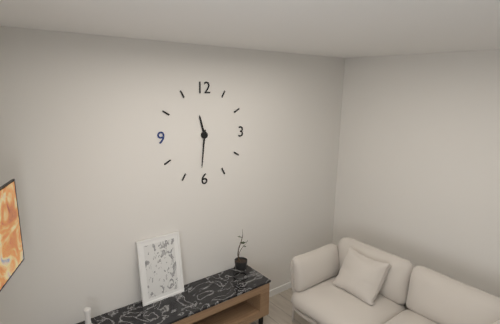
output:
11.31
